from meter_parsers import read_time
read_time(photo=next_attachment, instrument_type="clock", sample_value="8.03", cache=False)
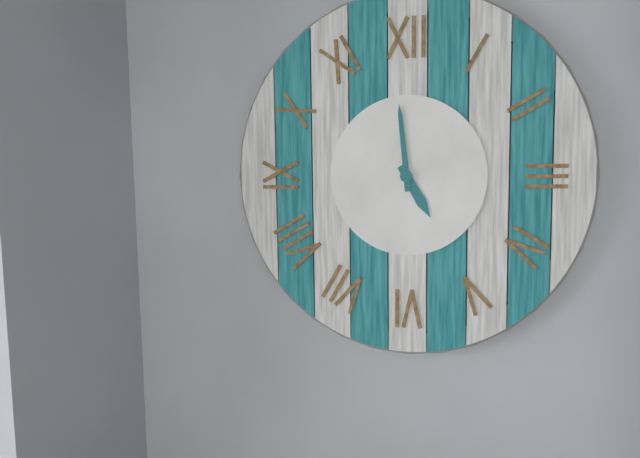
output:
4.59
